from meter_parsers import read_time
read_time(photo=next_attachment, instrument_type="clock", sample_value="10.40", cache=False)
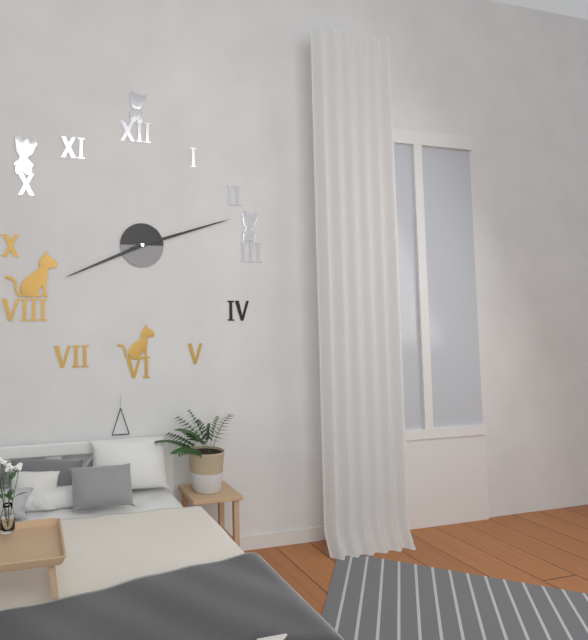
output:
8.12
